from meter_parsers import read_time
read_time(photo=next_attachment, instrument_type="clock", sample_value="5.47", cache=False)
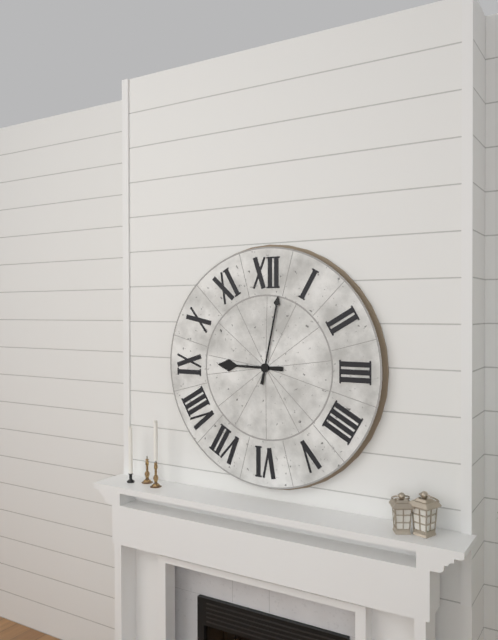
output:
9.02
